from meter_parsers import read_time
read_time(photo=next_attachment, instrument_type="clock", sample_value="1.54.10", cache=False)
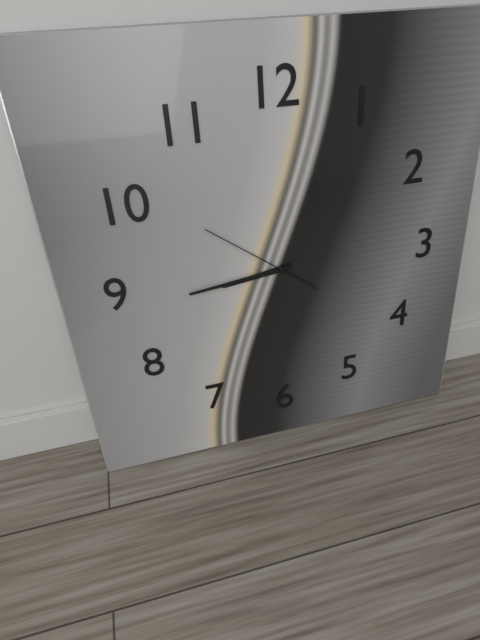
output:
8.44.51
